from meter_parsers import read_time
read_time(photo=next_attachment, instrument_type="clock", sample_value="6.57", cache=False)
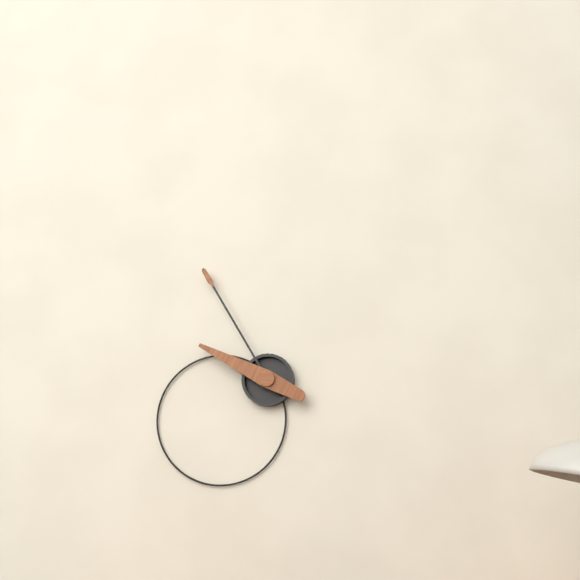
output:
9.55
